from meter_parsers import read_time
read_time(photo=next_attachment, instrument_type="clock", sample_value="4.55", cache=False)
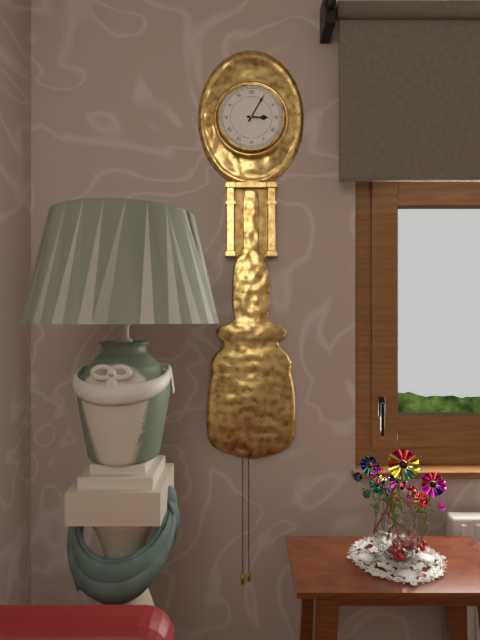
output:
3.05
